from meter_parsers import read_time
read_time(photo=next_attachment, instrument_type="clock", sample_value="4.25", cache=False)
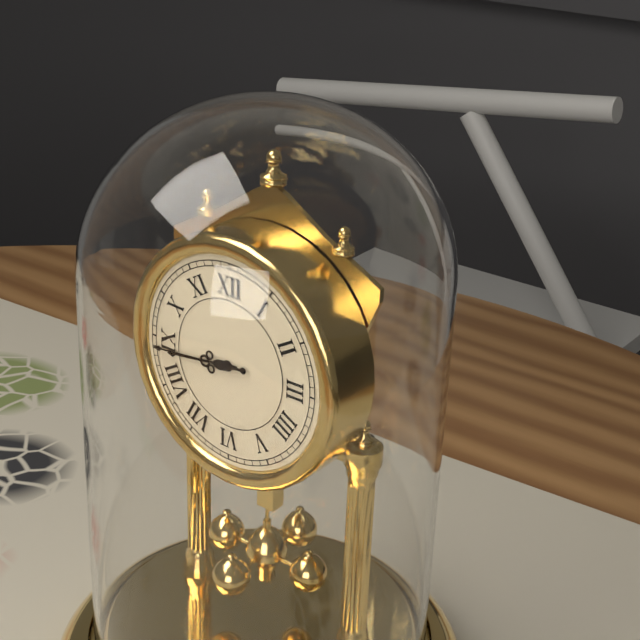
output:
8.44
